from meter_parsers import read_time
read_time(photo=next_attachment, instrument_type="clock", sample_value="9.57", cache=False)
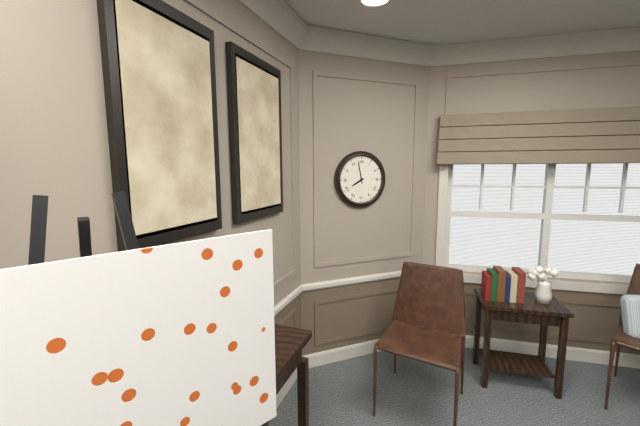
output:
7.58
